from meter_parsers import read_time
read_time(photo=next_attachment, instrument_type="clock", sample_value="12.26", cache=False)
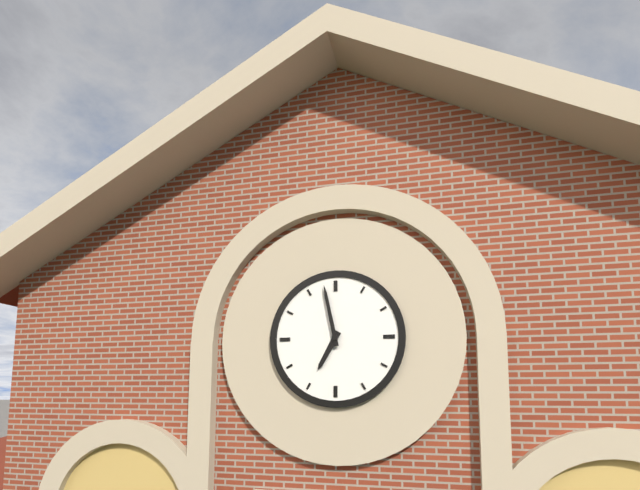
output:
6.58
